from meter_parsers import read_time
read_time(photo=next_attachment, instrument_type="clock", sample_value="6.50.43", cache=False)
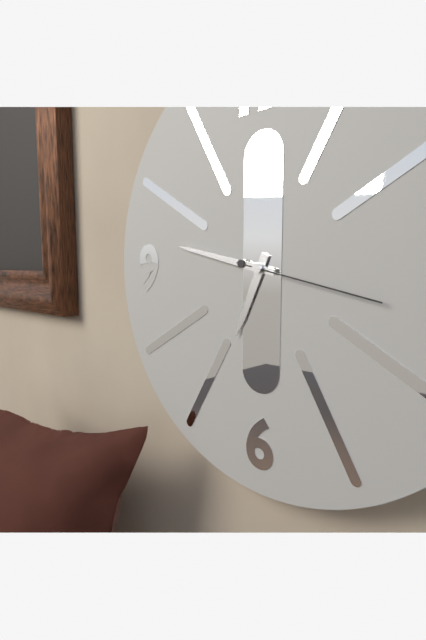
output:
6.47.17
